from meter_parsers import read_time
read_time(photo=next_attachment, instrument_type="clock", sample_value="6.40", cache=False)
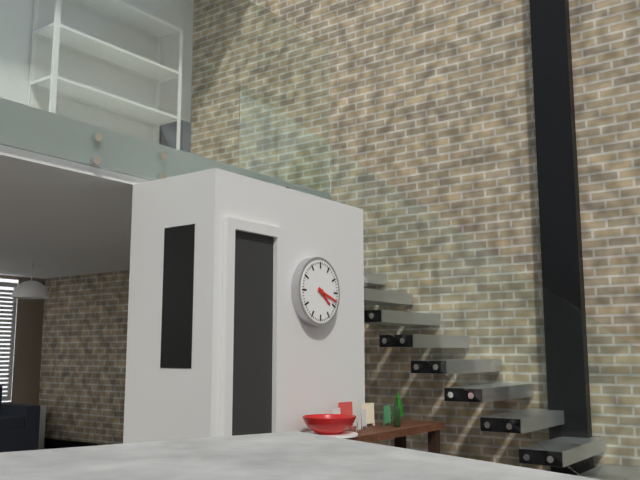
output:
4.18
